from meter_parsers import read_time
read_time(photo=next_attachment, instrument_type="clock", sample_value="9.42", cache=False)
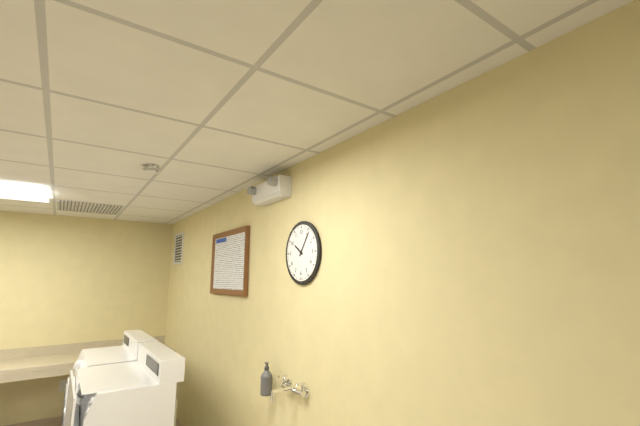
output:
10.06
